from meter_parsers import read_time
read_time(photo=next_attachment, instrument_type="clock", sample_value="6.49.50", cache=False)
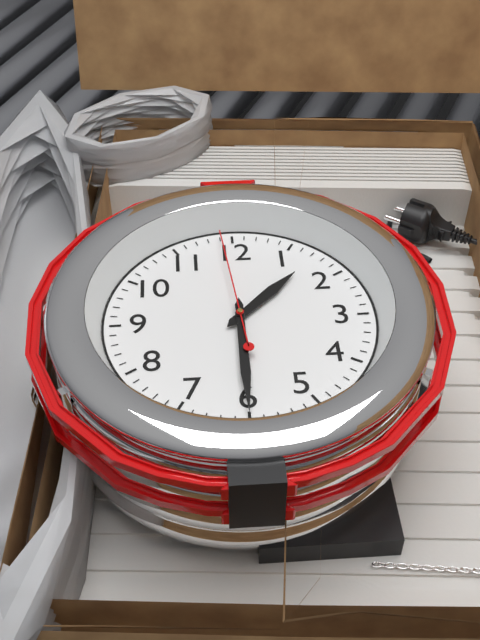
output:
1.30.59
